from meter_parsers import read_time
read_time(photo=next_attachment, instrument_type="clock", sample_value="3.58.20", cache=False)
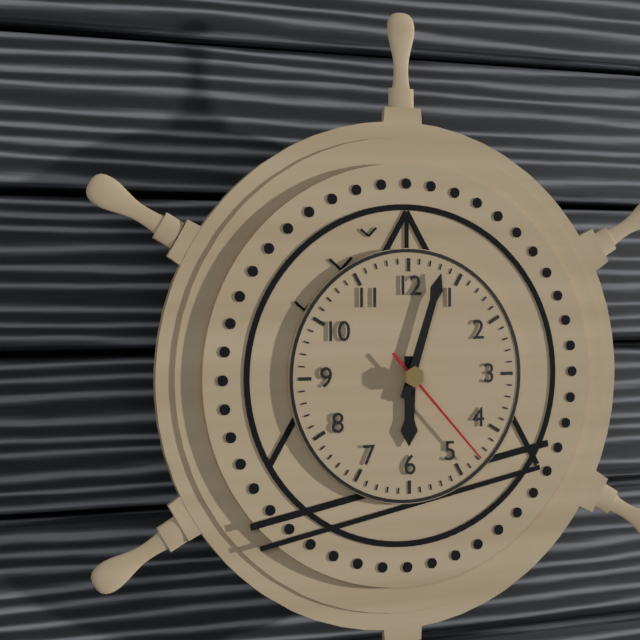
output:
6.03.23
